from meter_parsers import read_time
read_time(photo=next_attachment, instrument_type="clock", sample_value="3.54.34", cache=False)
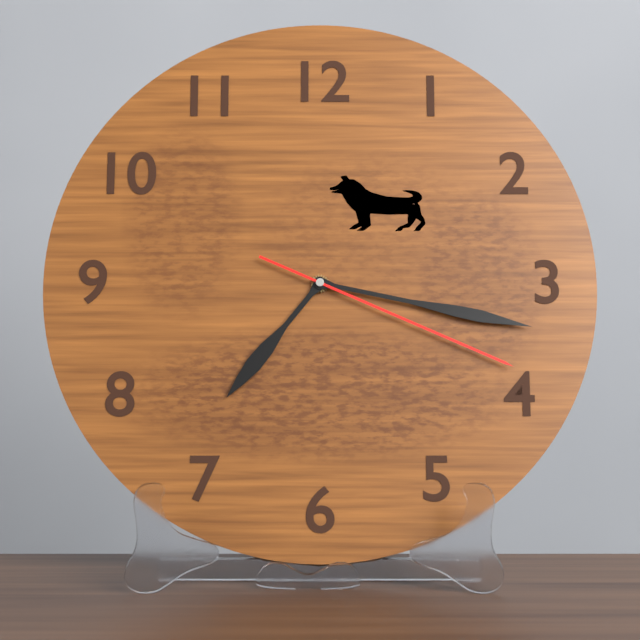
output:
7.17.19
